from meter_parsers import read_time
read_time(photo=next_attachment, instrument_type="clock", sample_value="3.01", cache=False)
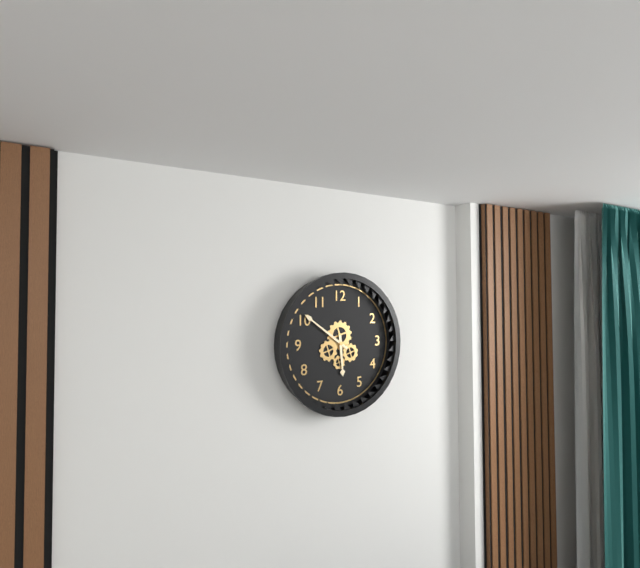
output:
5.51
